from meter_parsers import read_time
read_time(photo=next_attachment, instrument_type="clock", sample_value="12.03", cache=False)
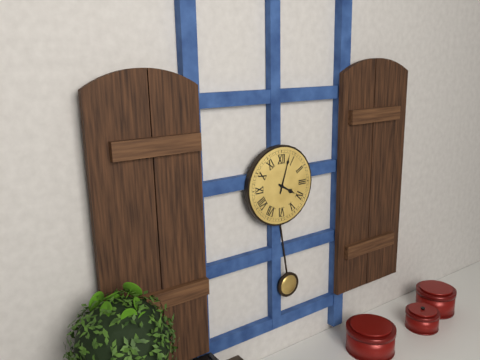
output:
4.03
